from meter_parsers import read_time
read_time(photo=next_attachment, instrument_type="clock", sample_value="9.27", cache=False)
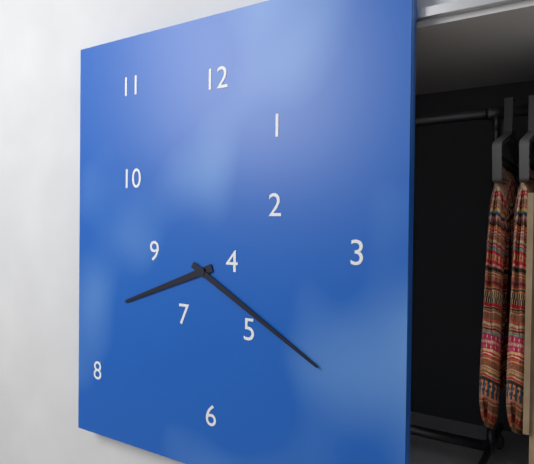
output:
8.20
